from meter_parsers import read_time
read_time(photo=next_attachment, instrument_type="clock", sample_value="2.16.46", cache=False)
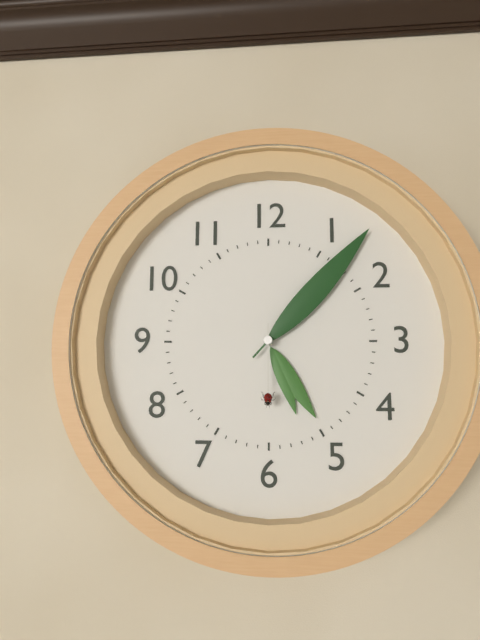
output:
5.07.30
